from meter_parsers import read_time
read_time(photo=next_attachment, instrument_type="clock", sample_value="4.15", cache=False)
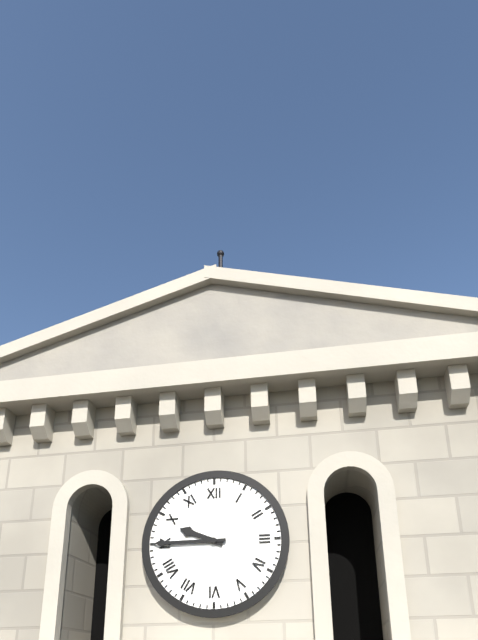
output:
9.45
